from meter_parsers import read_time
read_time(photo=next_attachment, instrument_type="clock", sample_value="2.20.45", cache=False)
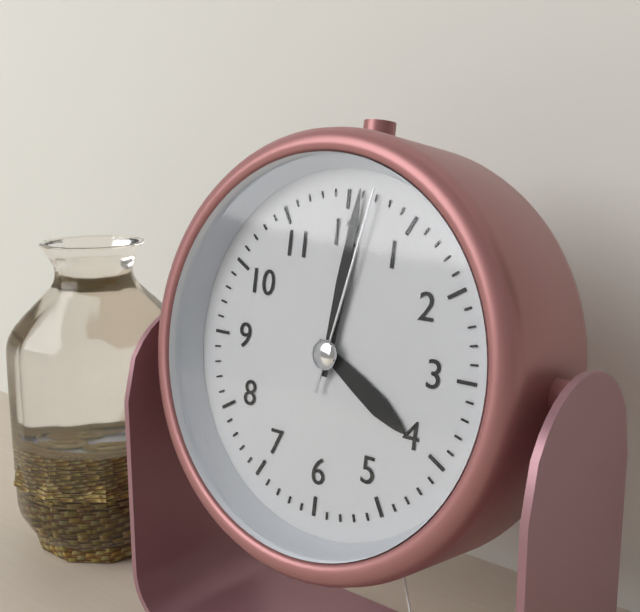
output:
4.01.02
